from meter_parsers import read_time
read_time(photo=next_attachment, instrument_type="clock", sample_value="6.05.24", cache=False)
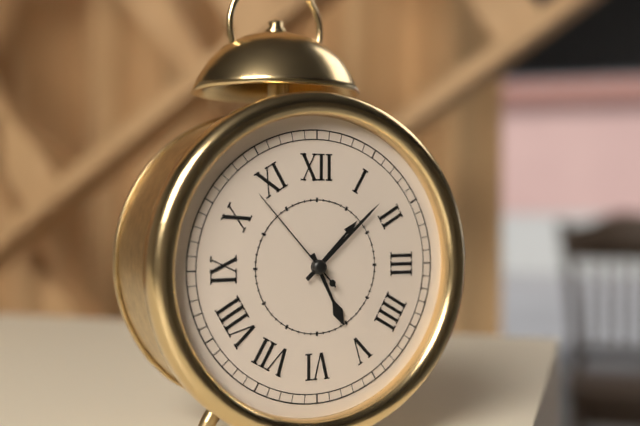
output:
5.08.53
